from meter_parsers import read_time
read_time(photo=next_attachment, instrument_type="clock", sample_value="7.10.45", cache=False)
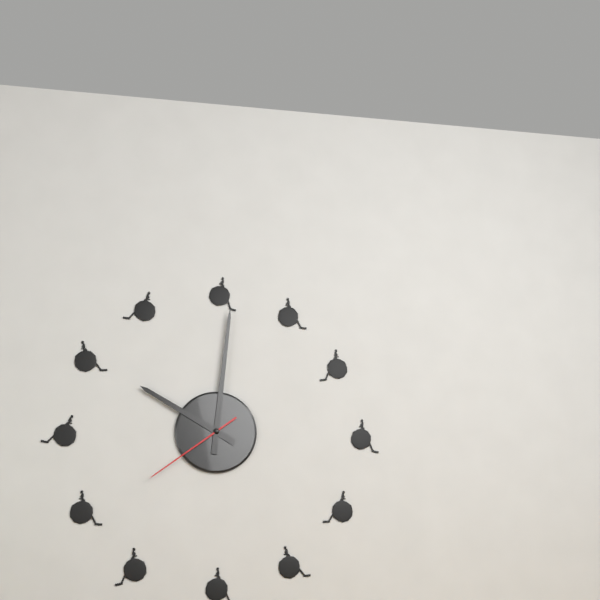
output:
10.01.39
